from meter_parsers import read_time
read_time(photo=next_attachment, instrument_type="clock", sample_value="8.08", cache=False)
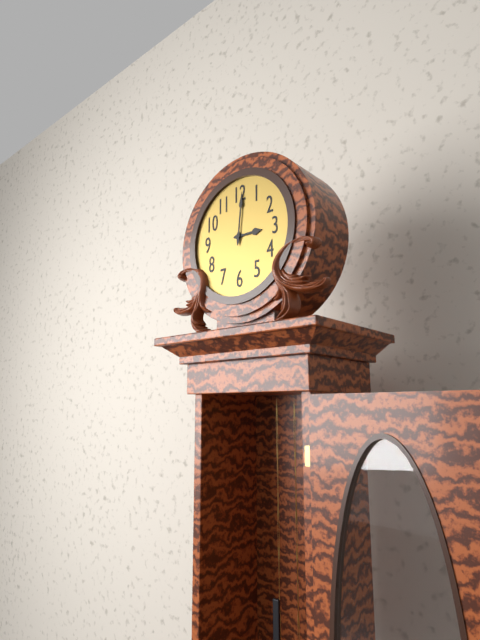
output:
3.01
